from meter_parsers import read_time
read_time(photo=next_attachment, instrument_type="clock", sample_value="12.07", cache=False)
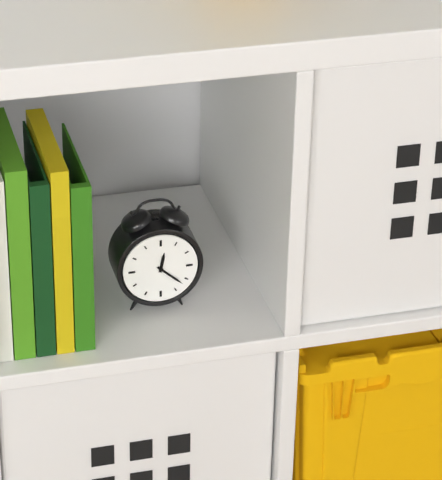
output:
12.22
